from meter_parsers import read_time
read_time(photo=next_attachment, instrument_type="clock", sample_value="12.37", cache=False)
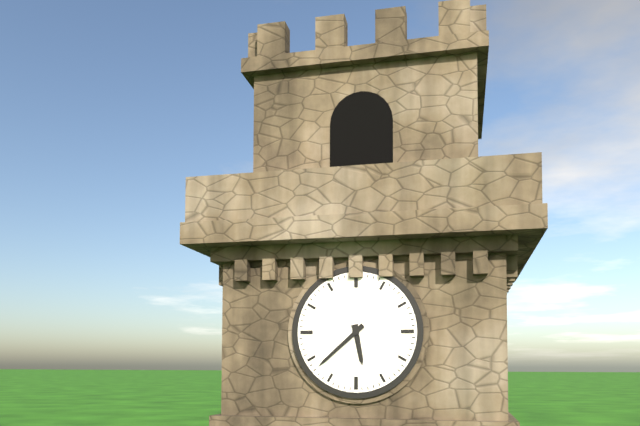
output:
5.38
